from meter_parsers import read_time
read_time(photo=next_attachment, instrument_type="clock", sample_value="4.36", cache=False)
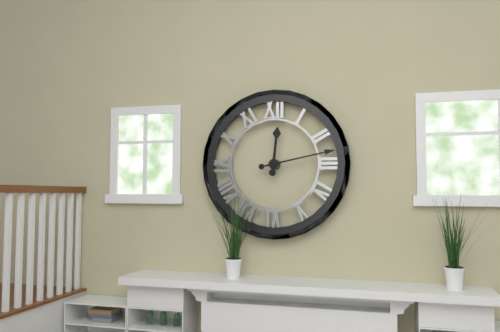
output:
12.13
